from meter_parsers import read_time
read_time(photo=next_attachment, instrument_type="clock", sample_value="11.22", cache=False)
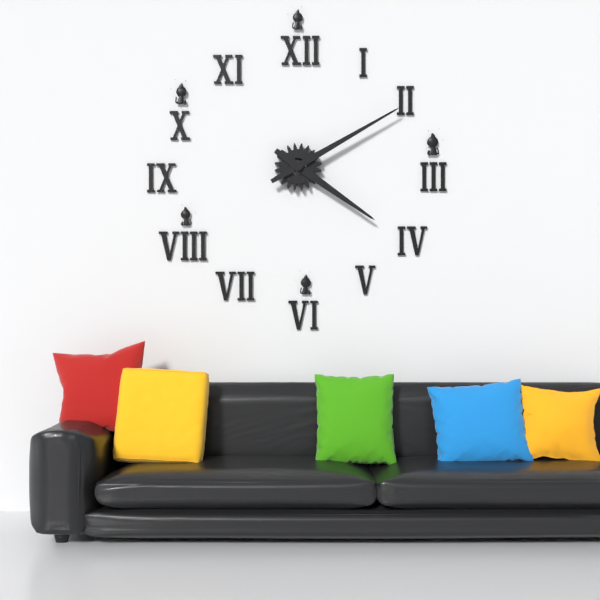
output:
4.10
